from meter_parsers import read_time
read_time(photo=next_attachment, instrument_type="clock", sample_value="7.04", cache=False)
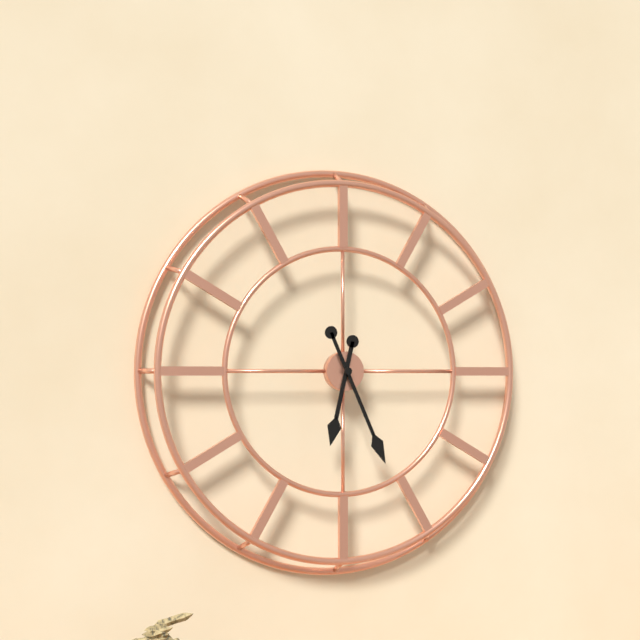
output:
6.26
